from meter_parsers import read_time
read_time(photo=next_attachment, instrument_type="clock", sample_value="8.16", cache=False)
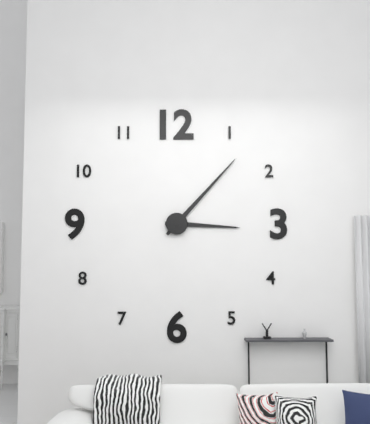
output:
3.07
